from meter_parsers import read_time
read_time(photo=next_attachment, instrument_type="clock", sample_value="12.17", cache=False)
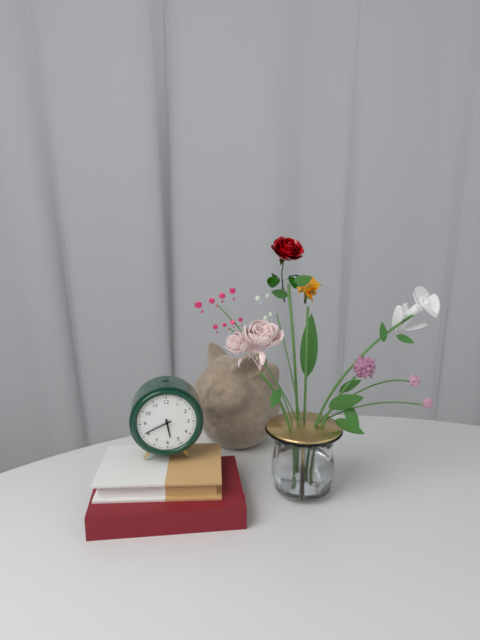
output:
5.41
